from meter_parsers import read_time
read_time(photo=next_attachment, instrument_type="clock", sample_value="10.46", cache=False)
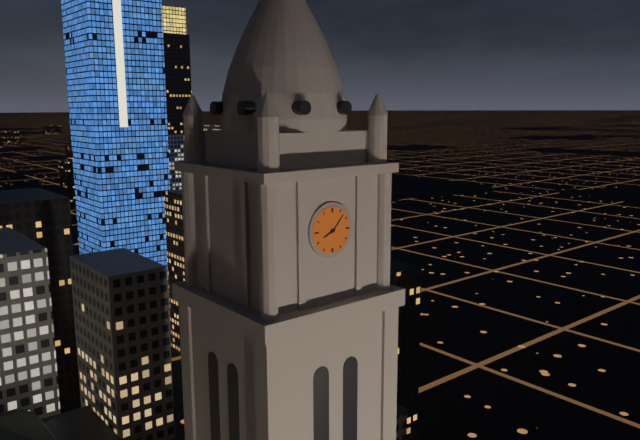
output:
8.07
